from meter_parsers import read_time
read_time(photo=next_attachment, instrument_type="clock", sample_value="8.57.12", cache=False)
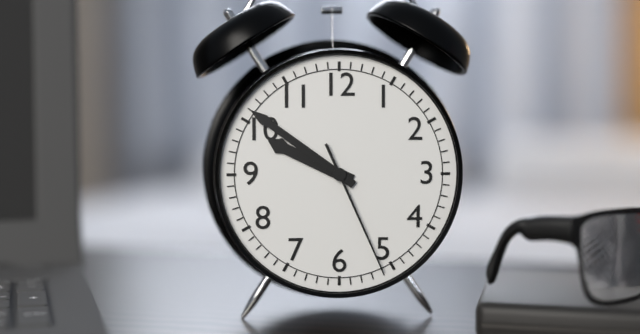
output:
9.51.26
